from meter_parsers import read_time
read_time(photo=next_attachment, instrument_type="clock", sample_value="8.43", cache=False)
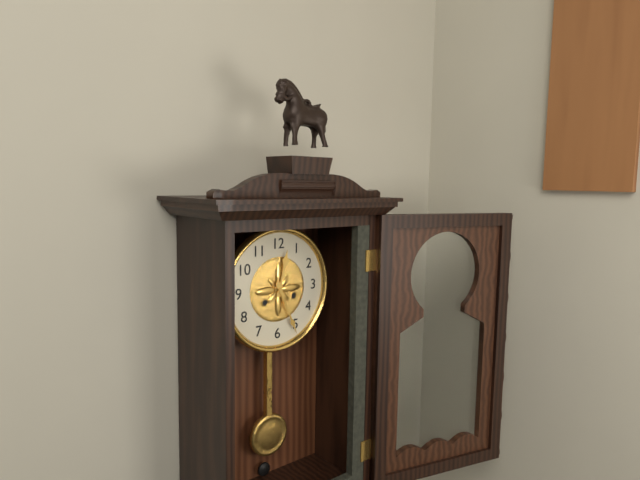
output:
12.26
